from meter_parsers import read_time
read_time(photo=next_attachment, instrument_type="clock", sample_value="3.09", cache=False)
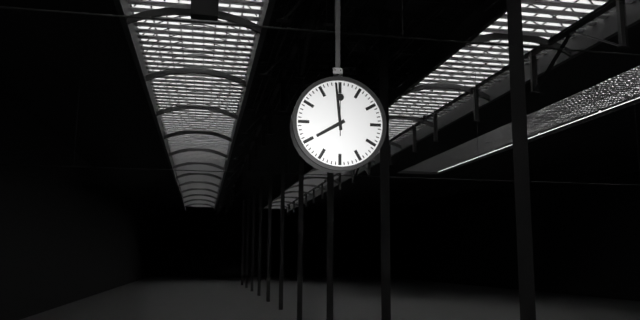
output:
7.59
